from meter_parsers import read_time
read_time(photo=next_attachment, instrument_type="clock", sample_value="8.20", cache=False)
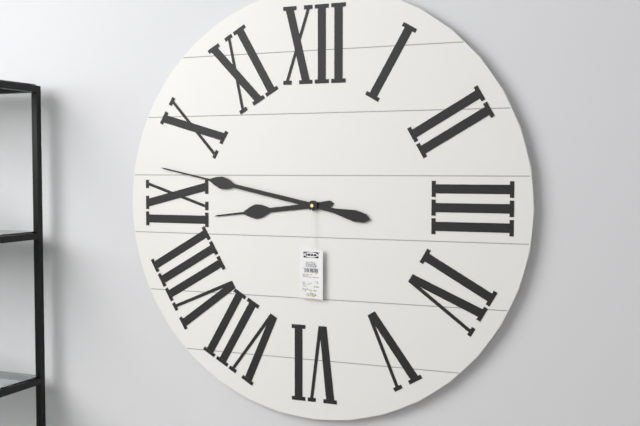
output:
8.47
